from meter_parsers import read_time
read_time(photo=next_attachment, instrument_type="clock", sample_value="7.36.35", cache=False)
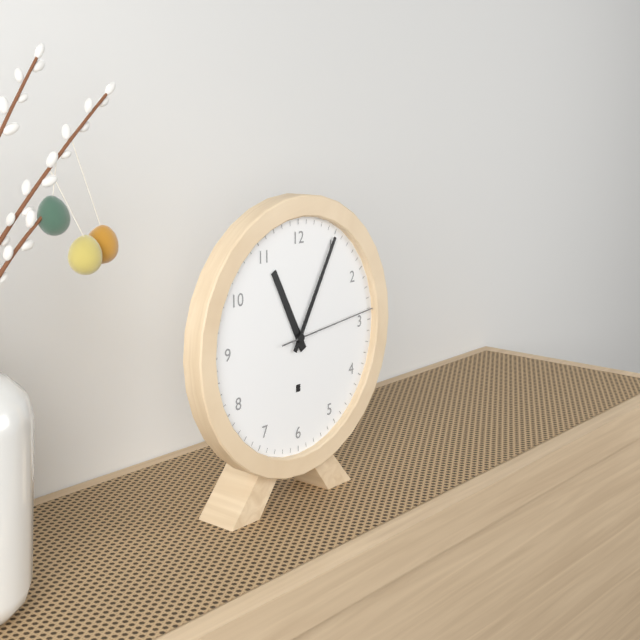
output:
11.05.14
